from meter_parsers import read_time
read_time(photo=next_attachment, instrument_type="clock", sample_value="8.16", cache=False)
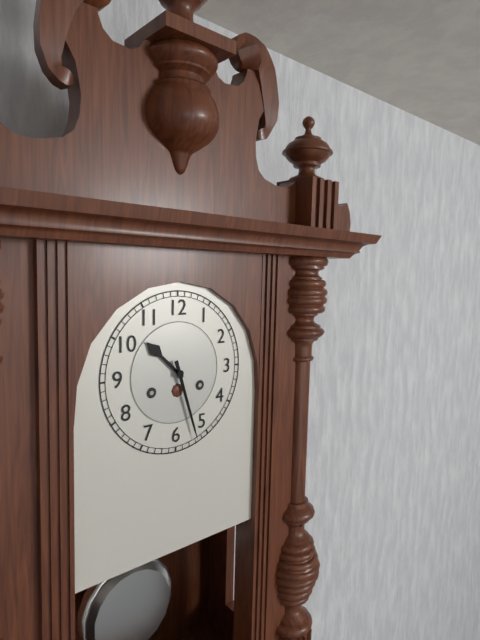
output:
10.27
